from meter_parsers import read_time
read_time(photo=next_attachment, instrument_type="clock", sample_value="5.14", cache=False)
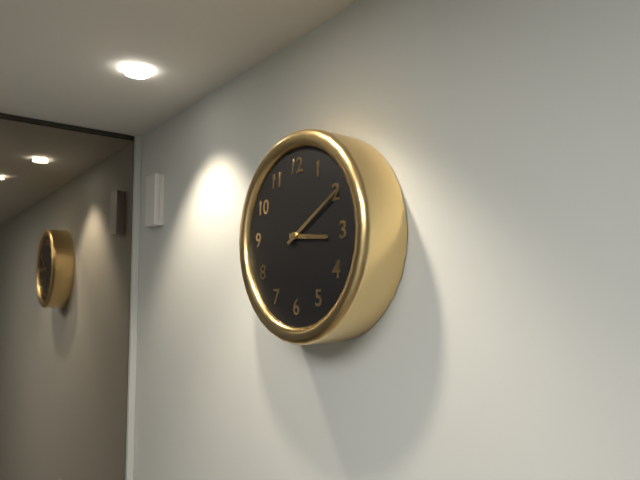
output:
3.10
